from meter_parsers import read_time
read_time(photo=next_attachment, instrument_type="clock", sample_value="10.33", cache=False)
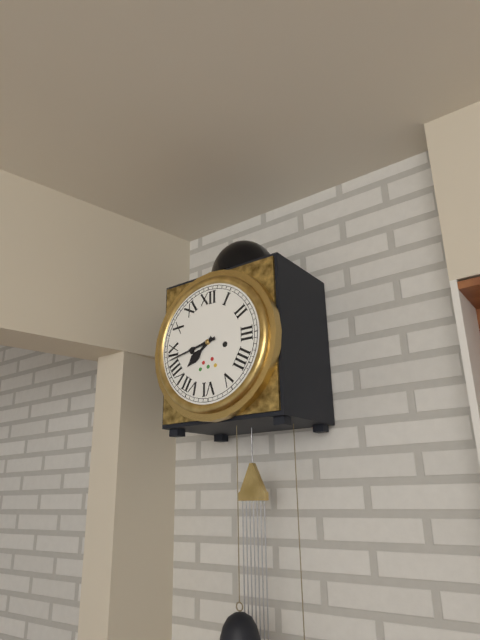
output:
7.43
